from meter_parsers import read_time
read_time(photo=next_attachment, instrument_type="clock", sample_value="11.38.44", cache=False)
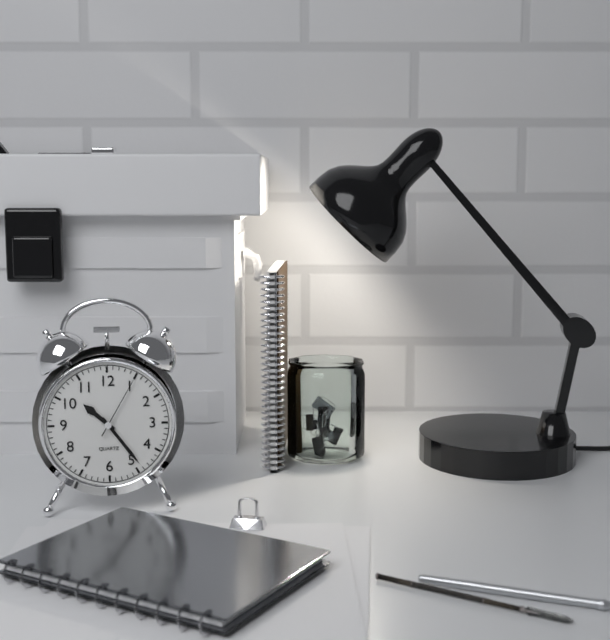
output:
10.24.05
